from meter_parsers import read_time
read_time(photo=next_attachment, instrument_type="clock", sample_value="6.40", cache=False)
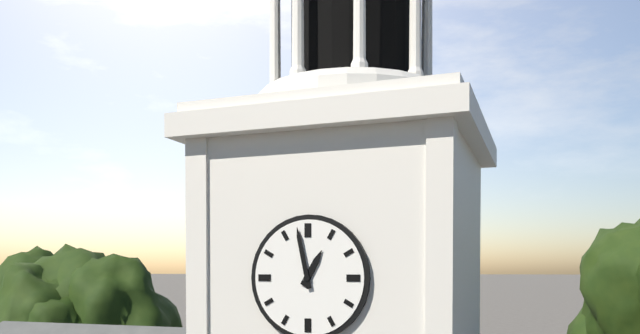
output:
12.58
